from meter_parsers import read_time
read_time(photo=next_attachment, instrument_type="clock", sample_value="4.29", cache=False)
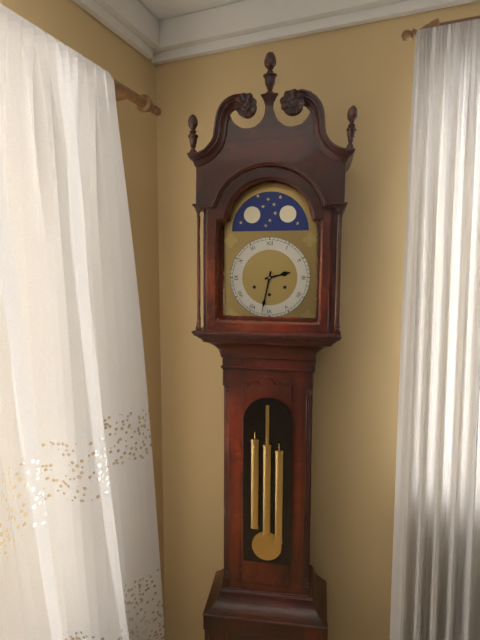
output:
2.32
